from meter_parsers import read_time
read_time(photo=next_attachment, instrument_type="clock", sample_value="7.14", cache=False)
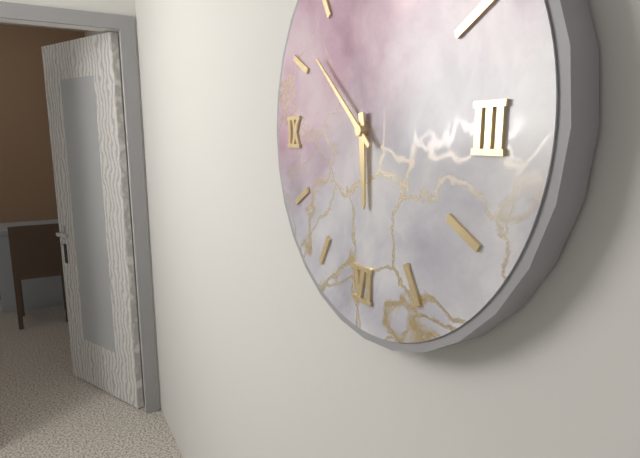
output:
5.52
